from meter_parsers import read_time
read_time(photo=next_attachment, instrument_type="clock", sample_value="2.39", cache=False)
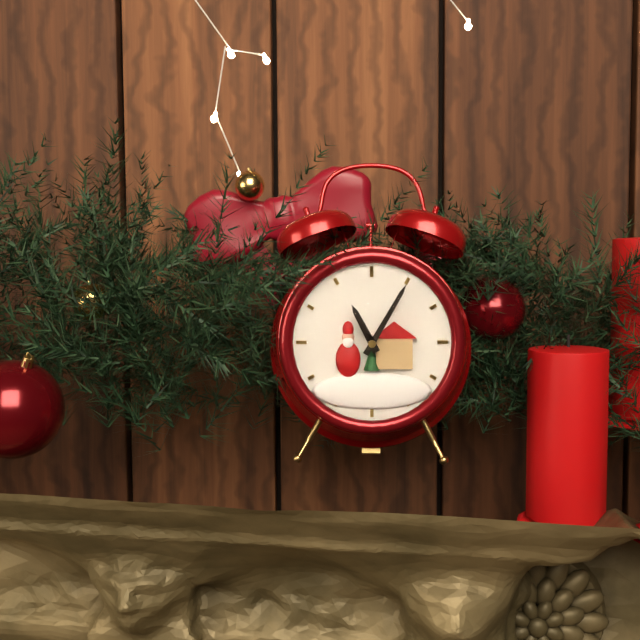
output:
11.05
